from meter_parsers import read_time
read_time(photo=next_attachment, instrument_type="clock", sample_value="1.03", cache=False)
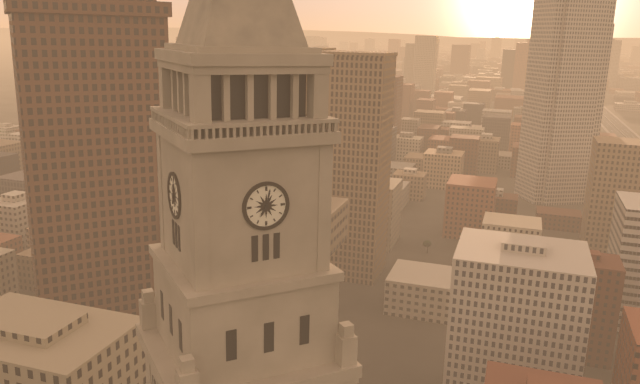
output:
7.02
